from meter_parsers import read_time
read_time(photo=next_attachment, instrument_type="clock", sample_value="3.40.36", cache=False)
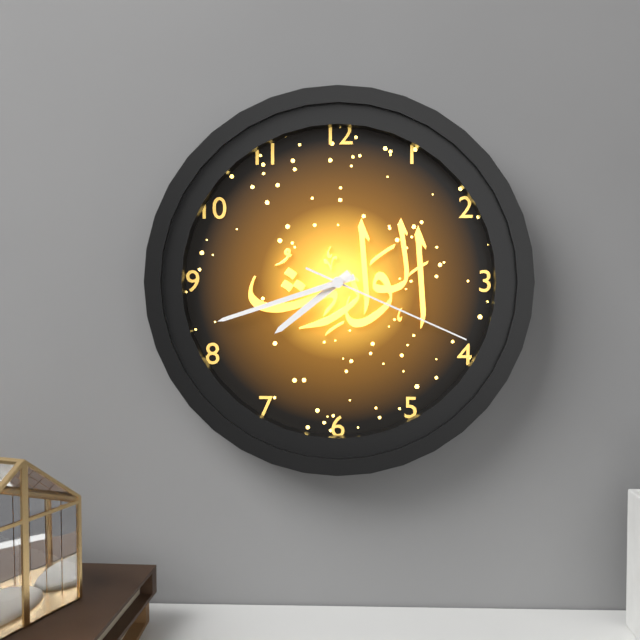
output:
7.42.19
